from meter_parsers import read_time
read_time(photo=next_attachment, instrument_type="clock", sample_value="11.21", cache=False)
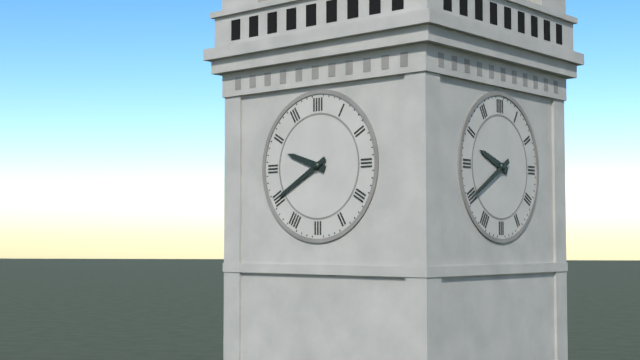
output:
9.40
